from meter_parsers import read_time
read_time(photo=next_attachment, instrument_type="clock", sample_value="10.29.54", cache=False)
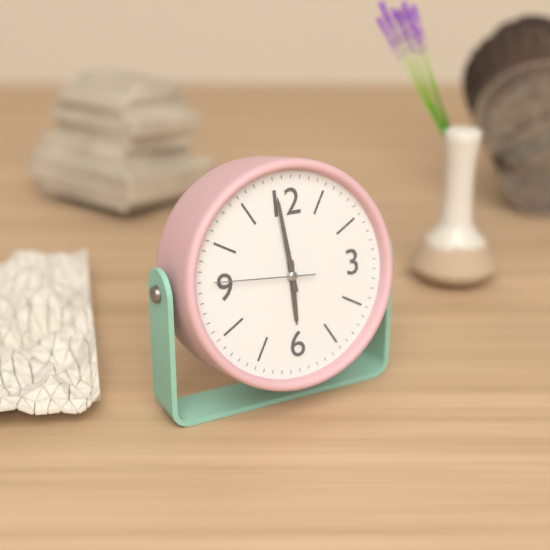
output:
5.59.46
